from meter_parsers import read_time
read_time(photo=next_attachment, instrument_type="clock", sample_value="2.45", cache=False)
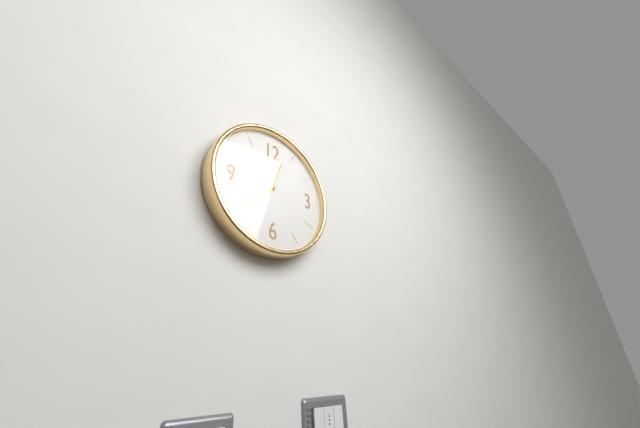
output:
12.38
